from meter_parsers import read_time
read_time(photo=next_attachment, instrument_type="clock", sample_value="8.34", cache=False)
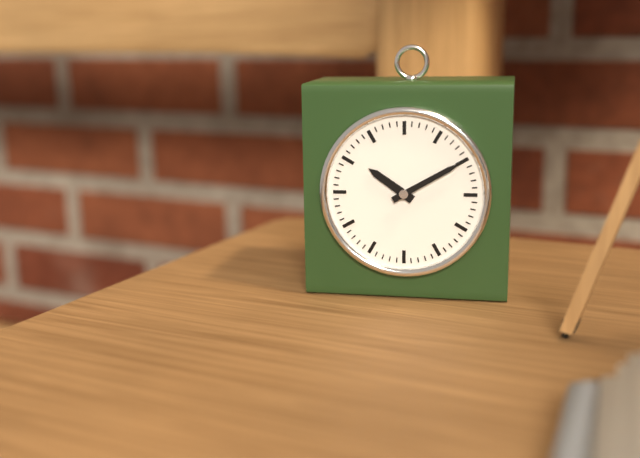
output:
10.10
